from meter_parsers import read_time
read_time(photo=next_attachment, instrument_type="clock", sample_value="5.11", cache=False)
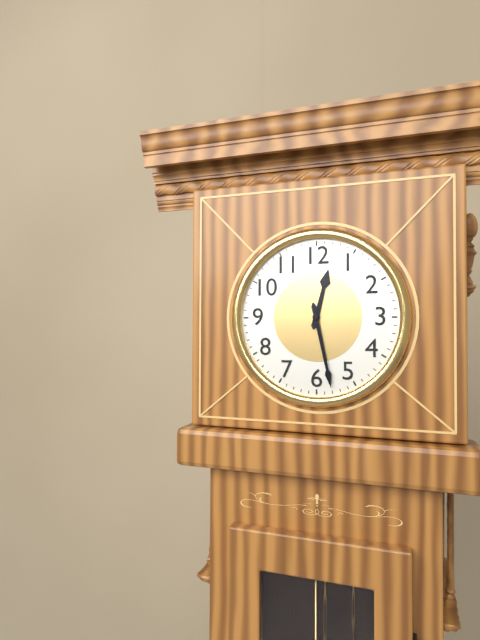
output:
12.28
